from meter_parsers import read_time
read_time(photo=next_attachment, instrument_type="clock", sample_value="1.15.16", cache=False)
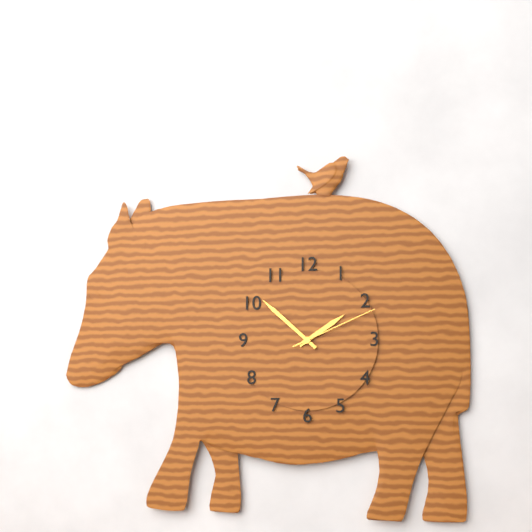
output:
1.52.11
